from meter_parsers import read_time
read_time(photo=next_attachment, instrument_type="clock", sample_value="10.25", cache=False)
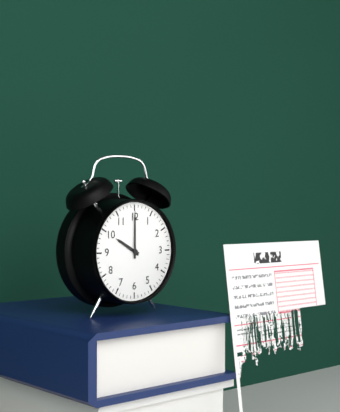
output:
10.00
